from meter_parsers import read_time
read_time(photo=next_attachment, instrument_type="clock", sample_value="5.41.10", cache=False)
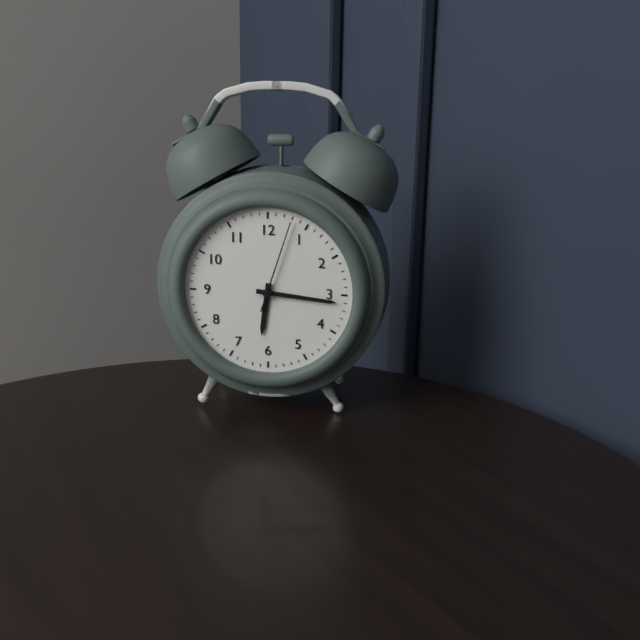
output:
6.16.03
